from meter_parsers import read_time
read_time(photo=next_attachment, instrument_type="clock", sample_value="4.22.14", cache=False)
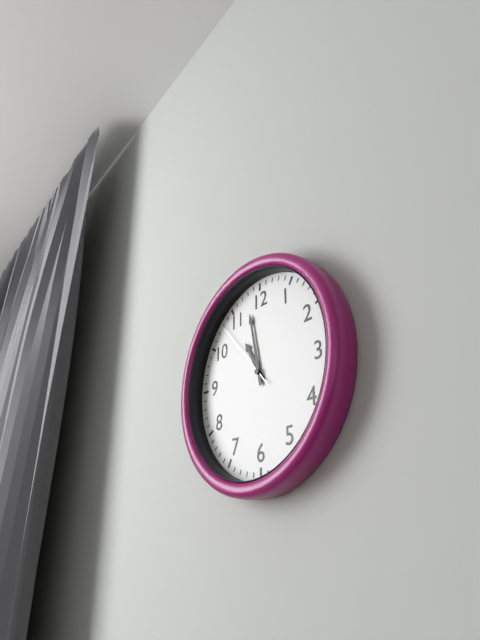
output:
10.58.53
